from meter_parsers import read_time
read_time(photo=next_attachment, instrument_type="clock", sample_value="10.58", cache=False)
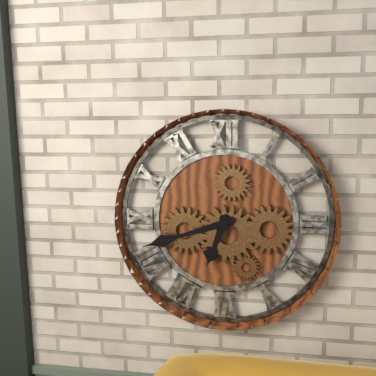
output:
6.42
